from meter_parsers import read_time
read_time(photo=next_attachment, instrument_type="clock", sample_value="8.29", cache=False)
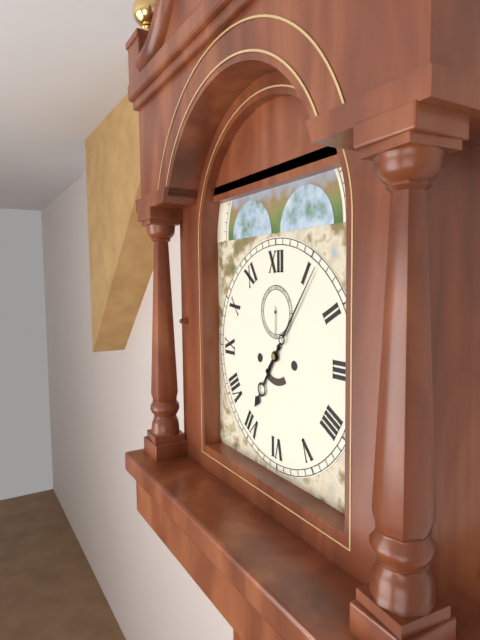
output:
7.06
